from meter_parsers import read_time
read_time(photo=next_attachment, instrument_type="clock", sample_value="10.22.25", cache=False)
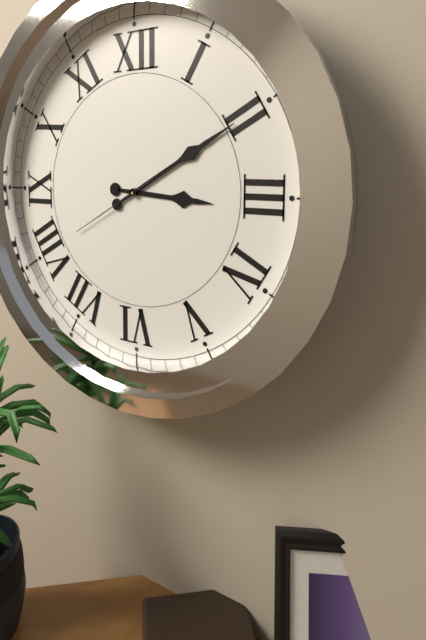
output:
3.10.40
